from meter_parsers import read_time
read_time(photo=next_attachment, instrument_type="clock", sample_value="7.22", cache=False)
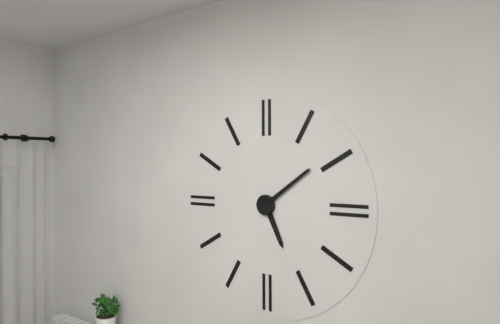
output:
5.09
